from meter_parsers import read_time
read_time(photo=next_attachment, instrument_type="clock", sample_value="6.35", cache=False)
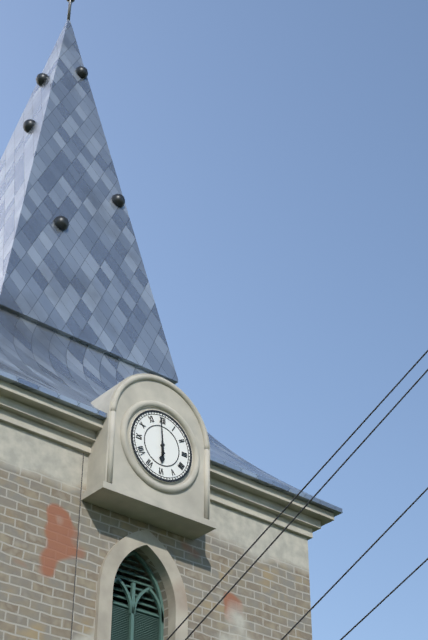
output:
5.59
